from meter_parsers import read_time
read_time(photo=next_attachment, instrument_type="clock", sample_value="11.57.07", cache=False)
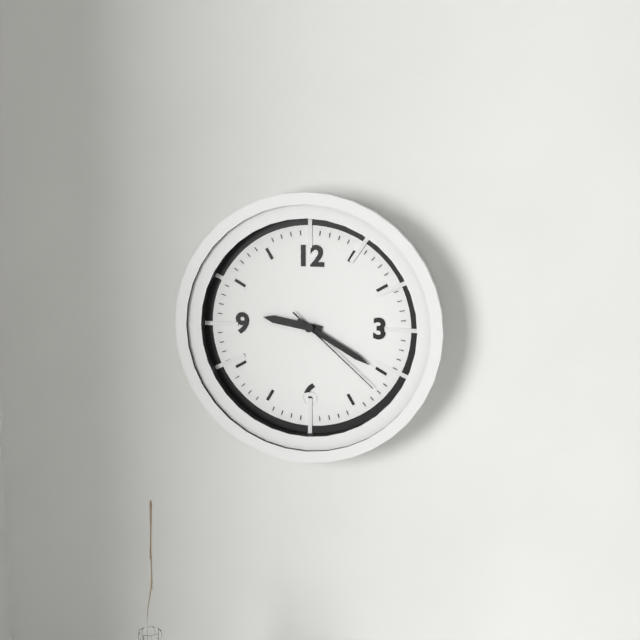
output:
9.20.22
